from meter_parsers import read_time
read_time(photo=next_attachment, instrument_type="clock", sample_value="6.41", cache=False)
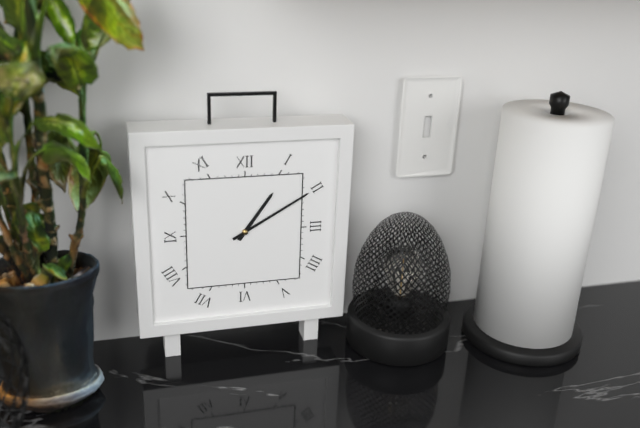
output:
1.10
